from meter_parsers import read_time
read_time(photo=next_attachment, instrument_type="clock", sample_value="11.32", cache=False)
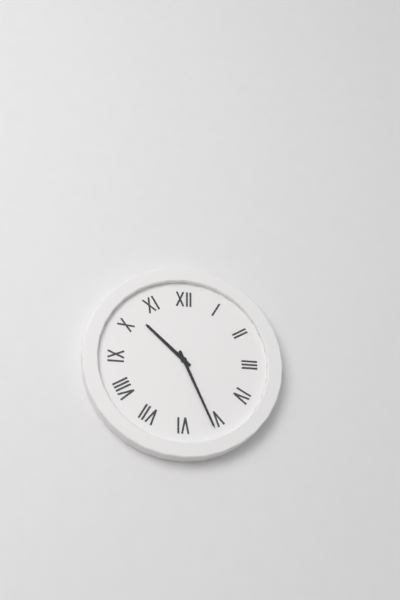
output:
10.26
